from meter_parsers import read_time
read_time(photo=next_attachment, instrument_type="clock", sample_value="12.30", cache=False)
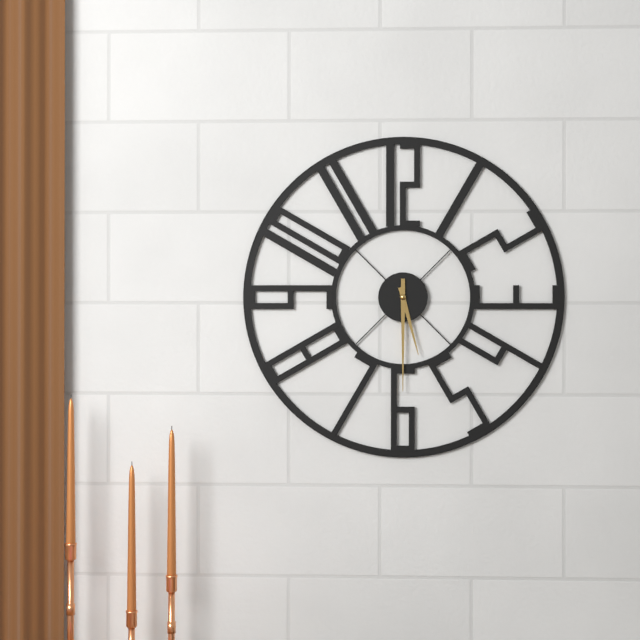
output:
5.30
